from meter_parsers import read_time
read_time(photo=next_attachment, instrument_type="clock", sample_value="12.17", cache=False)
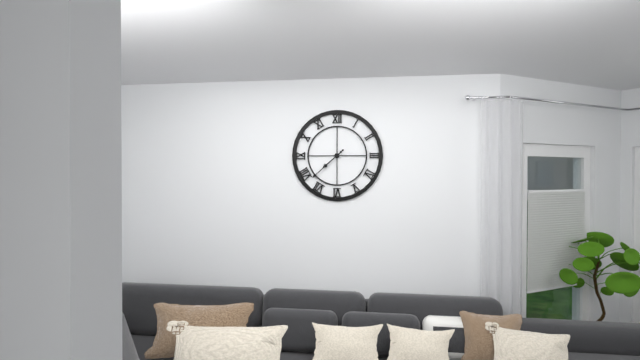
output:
7.38
